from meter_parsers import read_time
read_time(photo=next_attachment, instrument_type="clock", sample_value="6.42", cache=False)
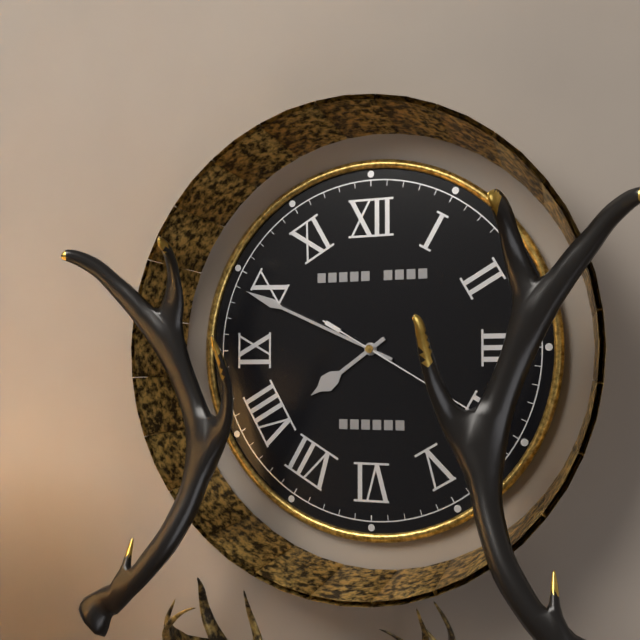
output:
7.49
